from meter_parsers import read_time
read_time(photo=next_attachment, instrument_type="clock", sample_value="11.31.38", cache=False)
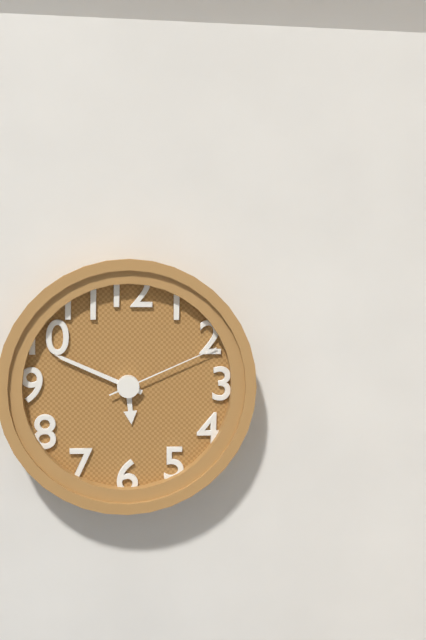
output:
5.49.11
